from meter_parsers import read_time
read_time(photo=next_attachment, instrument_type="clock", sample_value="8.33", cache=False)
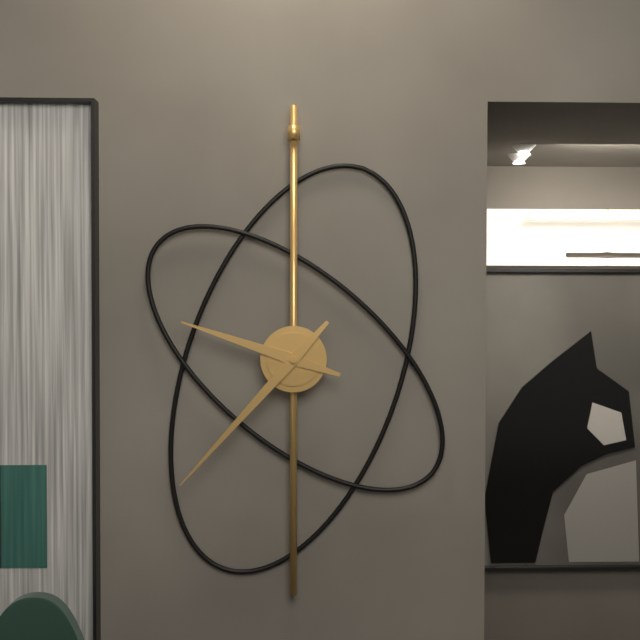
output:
9.37
